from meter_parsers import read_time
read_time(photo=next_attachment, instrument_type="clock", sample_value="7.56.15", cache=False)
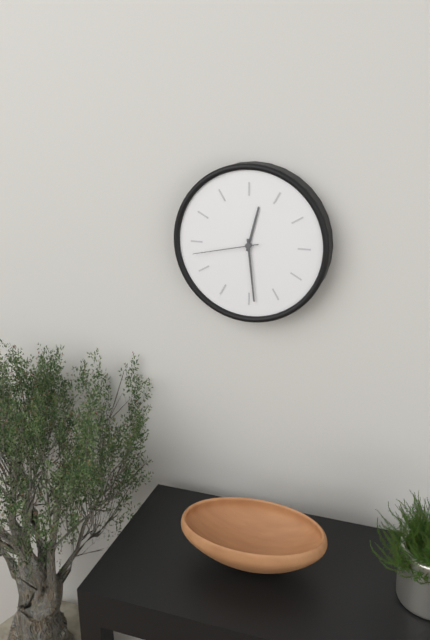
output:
12.29.43
